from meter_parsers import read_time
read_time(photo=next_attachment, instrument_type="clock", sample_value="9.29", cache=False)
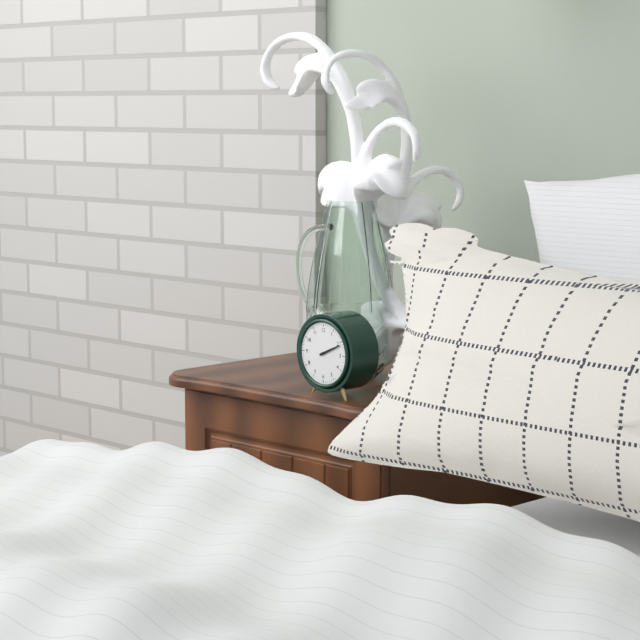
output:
2.11
